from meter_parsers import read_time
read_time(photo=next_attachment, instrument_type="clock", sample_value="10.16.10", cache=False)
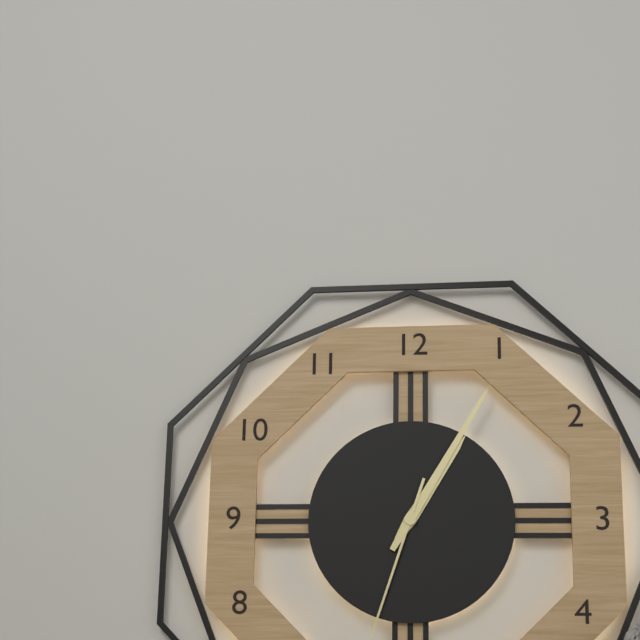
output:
1.05.33
